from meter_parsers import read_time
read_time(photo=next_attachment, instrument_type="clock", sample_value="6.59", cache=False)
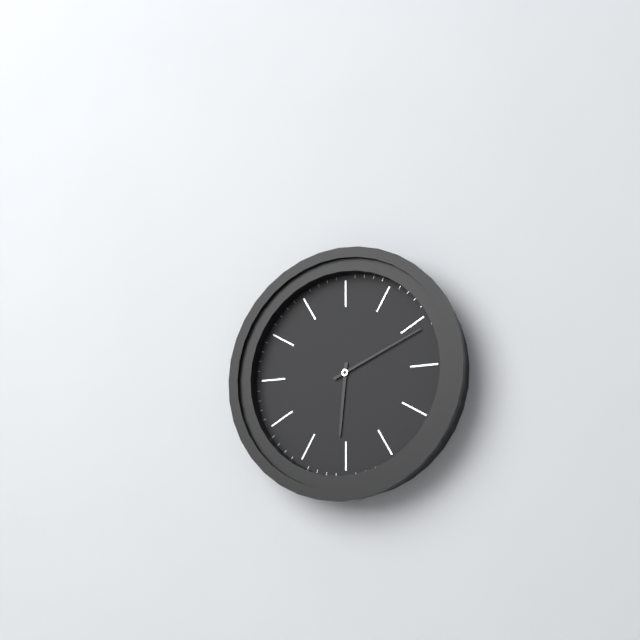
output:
6.11
